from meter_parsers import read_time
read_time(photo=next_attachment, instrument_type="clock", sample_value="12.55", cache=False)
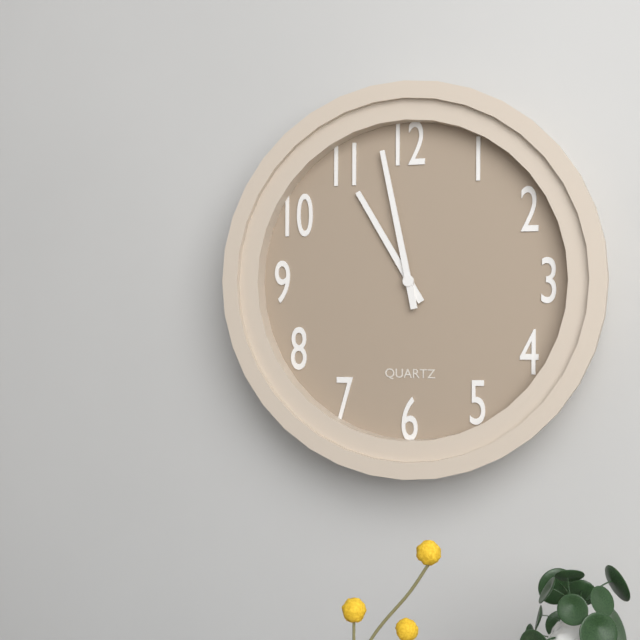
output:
10.58
